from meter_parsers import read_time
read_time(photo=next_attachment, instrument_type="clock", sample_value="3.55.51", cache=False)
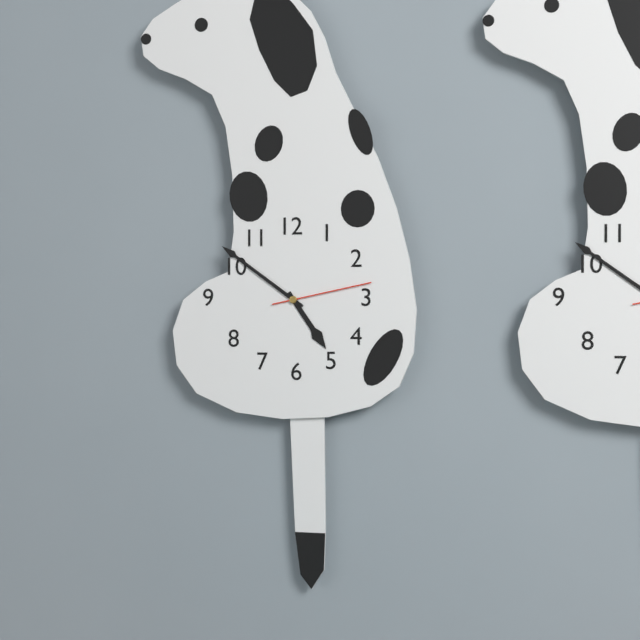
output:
4.51.13
